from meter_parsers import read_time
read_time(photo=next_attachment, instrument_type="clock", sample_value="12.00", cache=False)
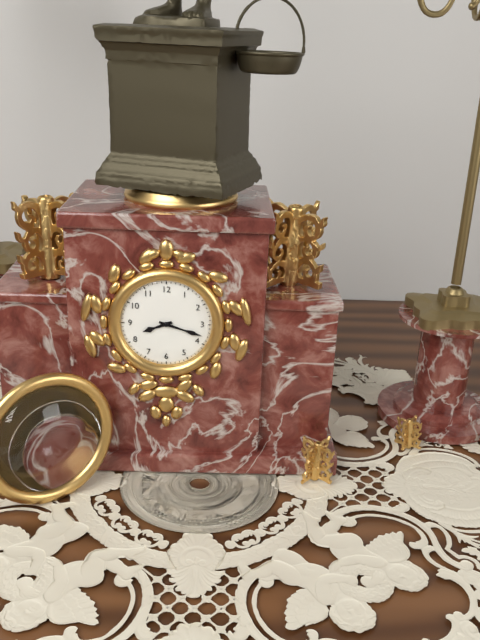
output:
8.18
